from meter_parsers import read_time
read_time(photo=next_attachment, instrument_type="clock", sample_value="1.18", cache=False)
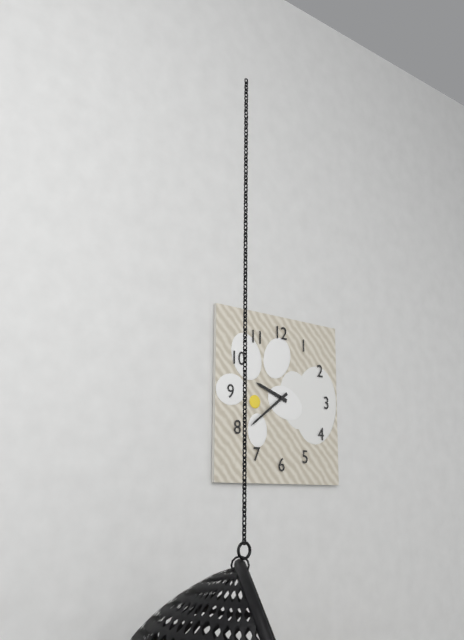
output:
9.39
